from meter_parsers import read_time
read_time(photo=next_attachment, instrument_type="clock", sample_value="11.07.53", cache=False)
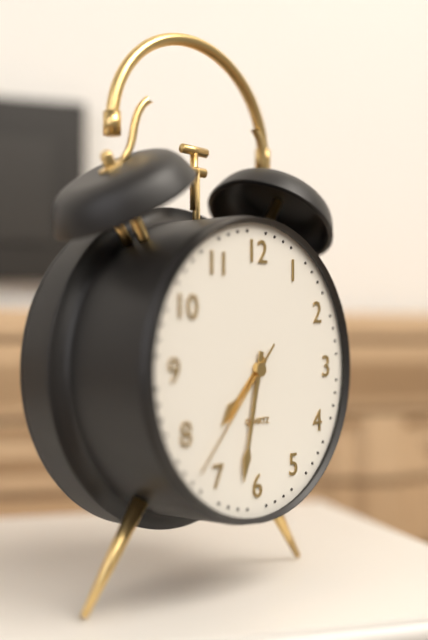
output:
7.32.37
